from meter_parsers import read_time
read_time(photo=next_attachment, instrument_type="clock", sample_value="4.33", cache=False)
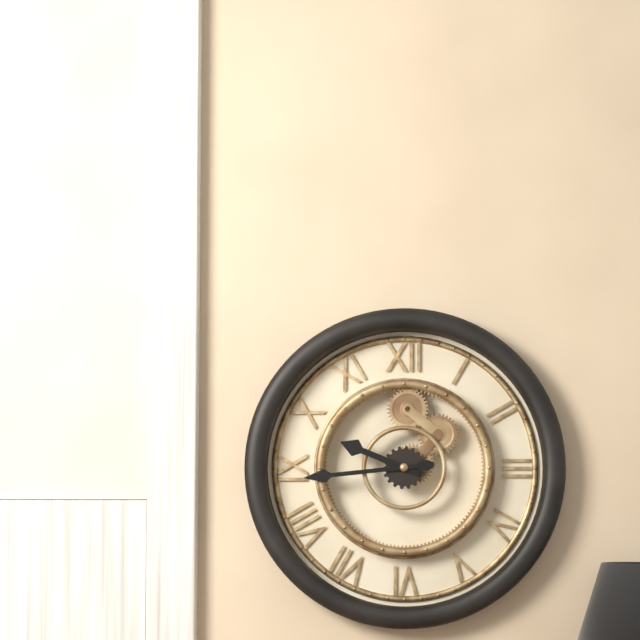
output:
9.44
